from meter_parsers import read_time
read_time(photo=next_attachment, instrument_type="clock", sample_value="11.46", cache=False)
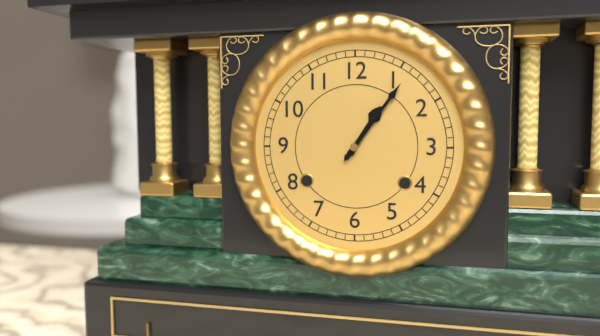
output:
1.06
